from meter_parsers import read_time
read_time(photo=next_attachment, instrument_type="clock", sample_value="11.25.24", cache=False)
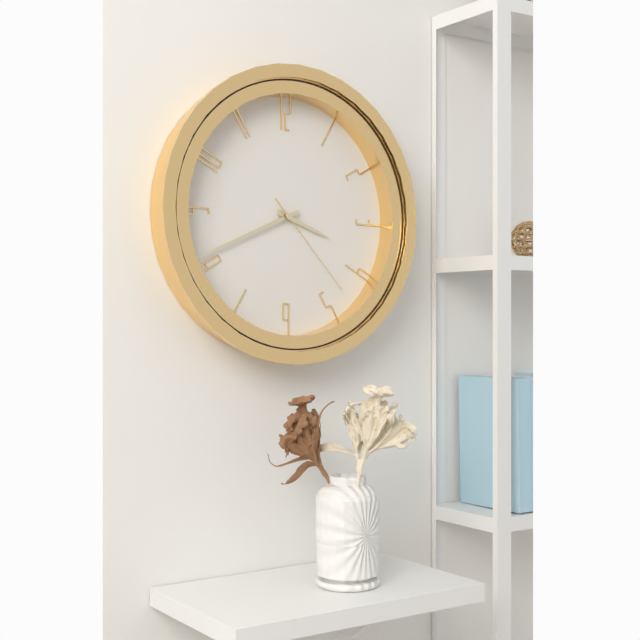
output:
3.41.23
